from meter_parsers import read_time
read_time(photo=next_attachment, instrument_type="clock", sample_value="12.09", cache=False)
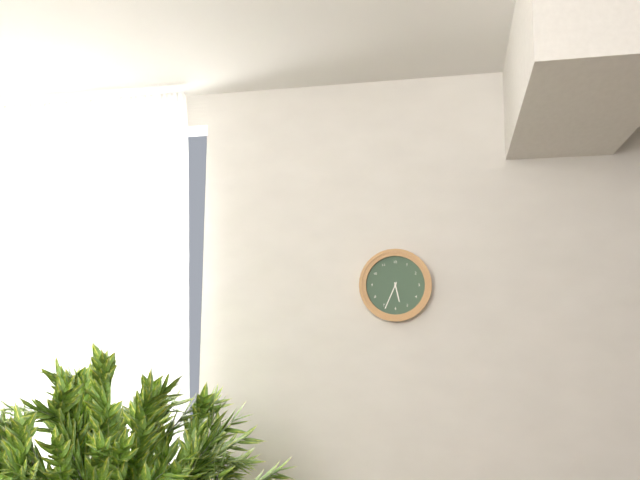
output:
5.34
